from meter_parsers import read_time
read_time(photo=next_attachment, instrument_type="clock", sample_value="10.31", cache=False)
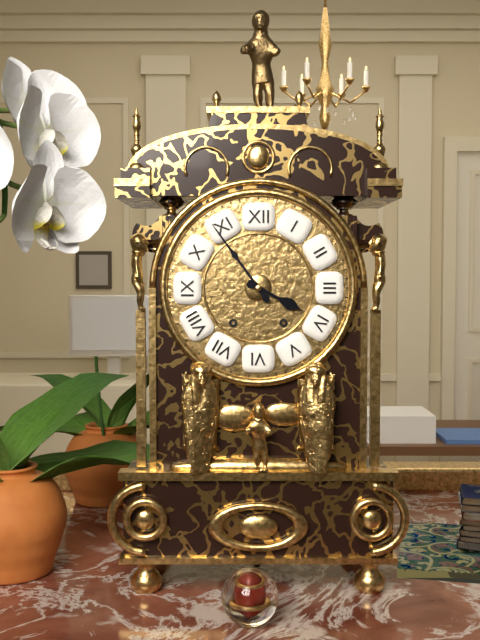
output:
3.54
